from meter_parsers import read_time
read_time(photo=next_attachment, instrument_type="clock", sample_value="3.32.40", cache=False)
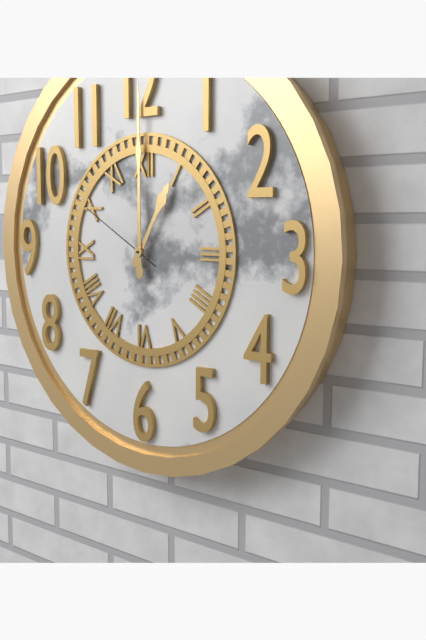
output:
1.00.50
